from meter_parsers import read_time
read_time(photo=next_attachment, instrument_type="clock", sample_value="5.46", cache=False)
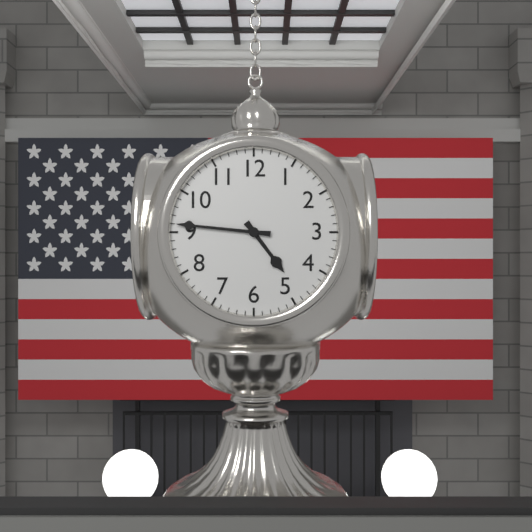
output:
4.46
